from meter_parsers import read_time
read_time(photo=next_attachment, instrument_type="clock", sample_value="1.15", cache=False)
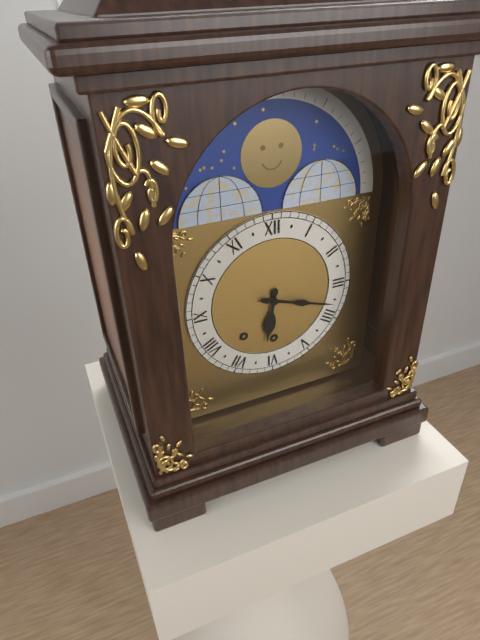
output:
6.18
